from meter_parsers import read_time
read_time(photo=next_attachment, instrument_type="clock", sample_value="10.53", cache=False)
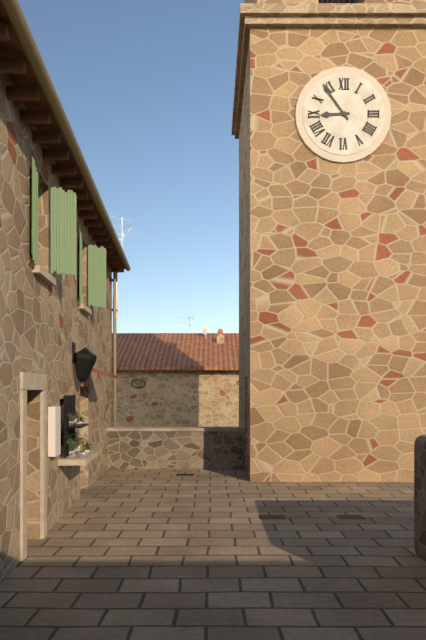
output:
8.54
